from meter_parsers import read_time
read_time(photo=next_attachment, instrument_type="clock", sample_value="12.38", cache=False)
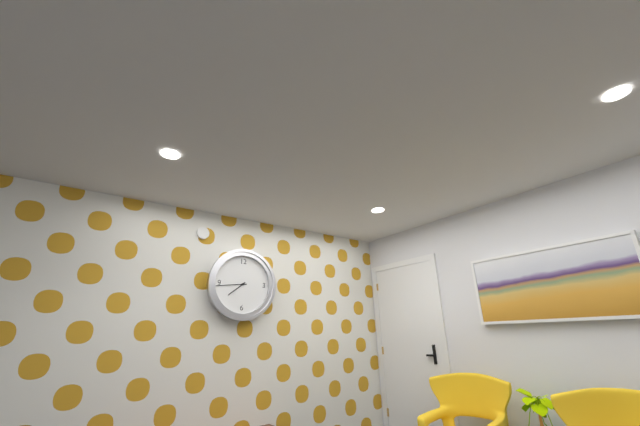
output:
7.44
